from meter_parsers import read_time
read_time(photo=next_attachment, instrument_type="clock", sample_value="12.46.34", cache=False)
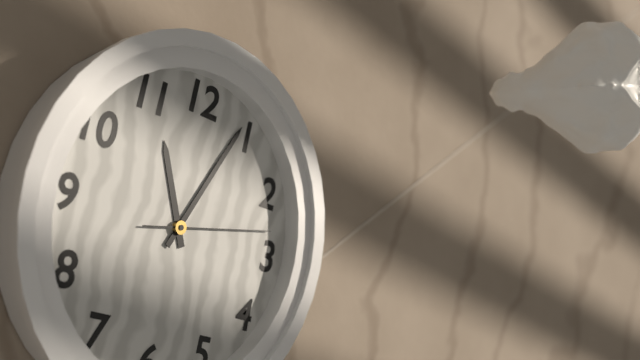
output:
11.04.13
